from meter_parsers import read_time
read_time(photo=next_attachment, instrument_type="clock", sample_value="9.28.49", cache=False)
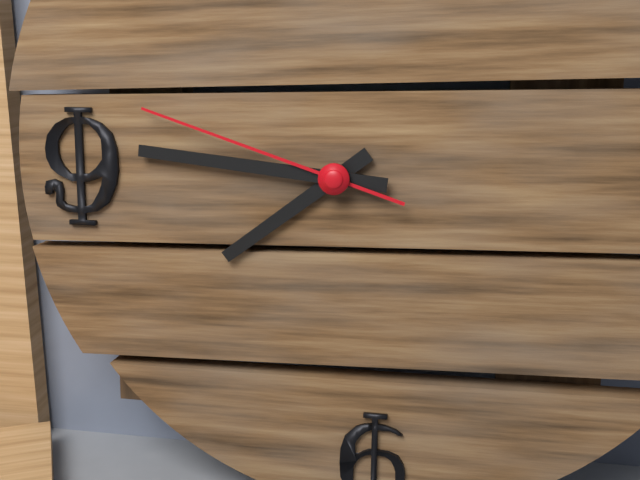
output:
7.46.48
